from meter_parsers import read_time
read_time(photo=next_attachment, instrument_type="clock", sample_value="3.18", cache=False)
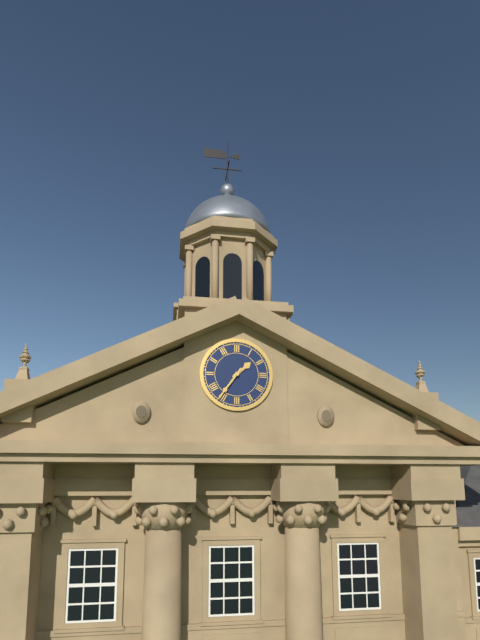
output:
1.36
